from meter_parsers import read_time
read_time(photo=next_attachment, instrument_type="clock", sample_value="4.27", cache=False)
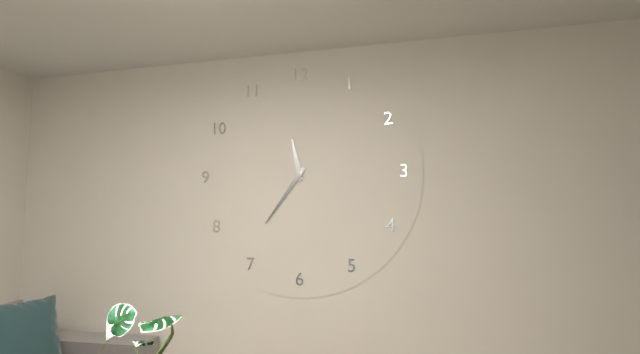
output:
11.36
